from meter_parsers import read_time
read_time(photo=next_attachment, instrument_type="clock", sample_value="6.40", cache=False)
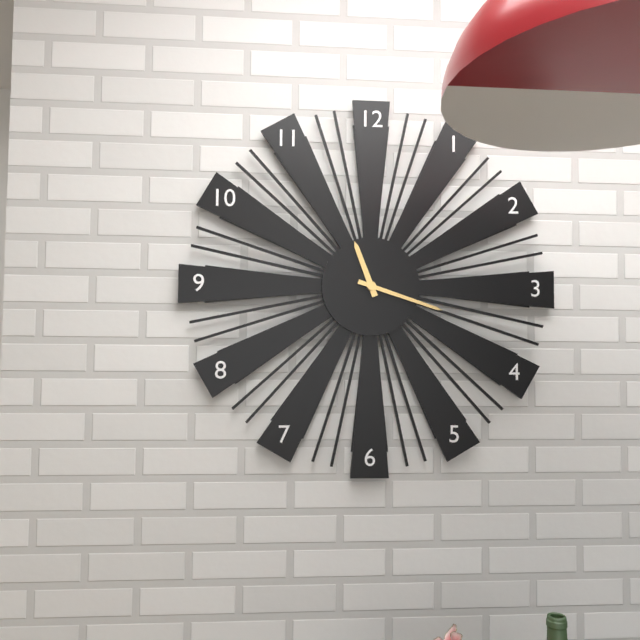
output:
11.18
